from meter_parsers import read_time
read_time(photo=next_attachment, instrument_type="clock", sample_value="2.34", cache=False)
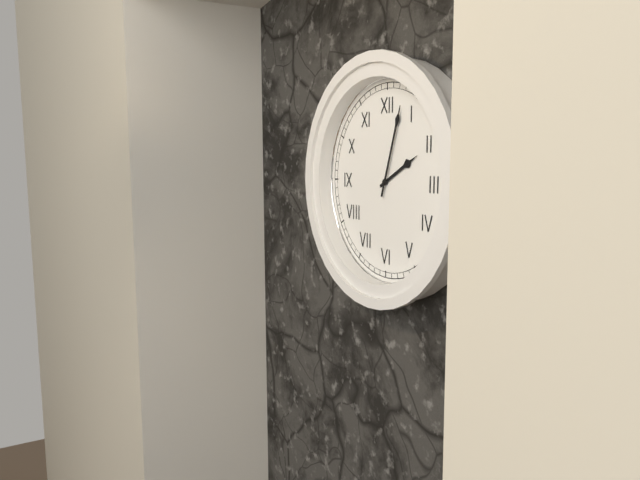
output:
2.03
